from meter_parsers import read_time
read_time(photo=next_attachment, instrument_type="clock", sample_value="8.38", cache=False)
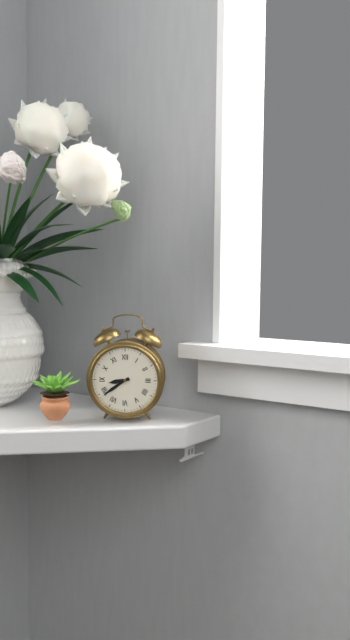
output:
8.39
